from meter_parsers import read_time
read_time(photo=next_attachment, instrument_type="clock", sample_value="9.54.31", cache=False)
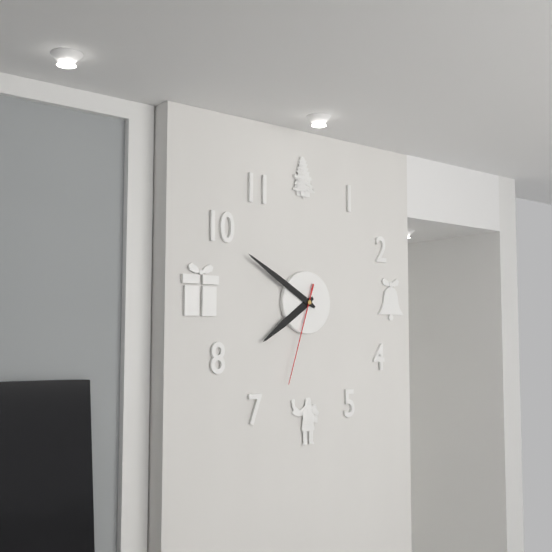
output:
7.50.33
